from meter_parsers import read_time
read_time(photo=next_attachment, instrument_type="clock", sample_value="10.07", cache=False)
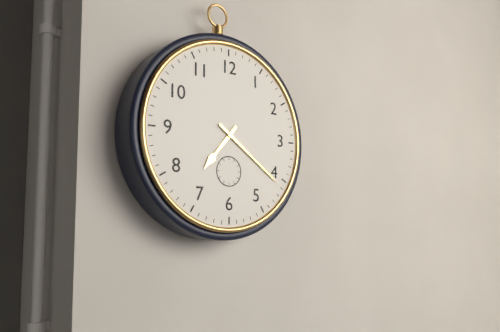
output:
7.21
